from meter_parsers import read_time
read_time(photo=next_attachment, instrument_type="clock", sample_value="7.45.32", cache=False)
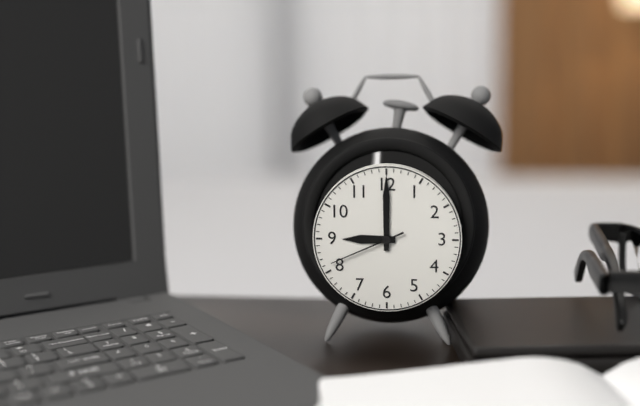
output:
9.00.41
